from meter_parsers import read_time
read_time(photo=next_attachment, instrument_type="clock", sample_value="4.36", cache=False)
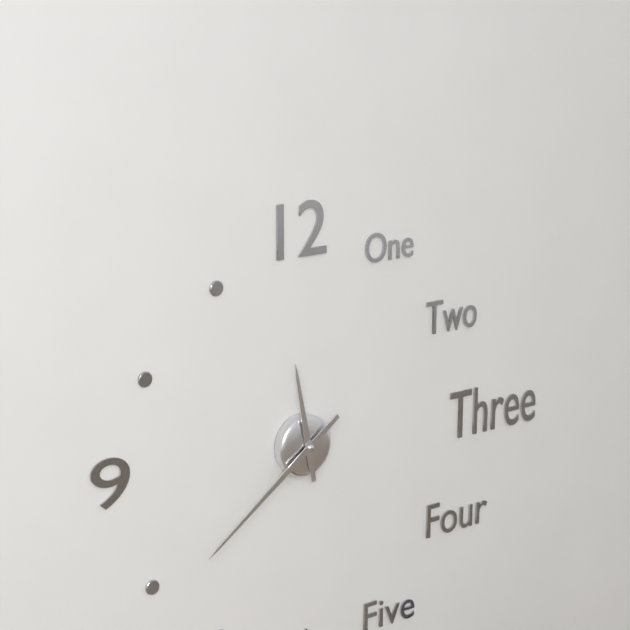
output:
11.39
